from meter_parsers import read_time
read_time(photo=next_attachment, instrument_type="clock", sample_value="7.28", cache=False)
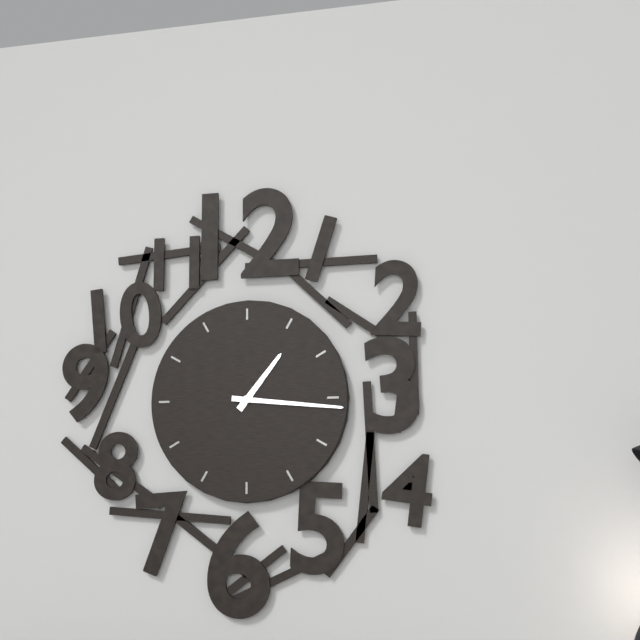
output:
1.16
